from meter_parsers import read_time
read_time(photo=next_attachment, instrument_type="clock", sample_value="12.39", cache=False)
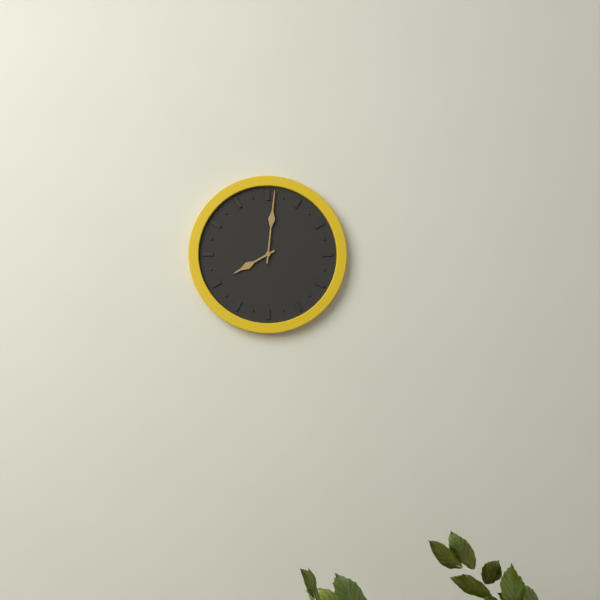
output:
8.01
